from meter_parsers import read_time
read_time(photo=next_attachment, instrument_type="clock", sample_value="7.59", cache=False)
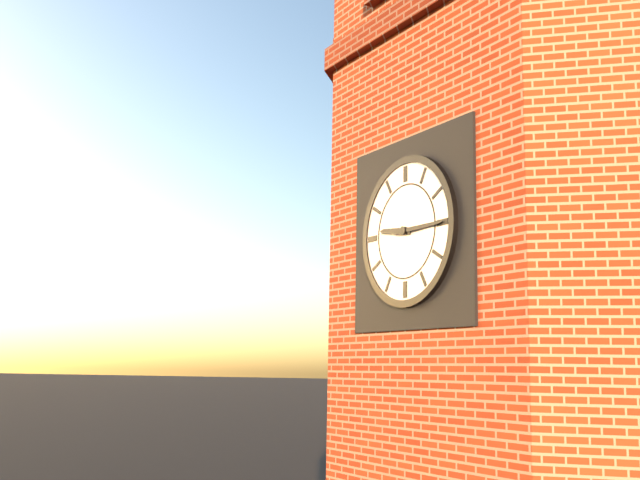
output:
9.15
